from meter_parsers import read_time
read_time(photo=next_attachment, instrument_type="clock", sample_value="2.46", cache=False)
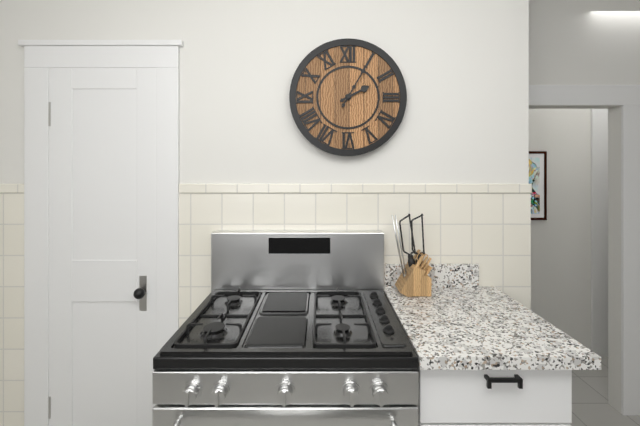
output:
2.05
